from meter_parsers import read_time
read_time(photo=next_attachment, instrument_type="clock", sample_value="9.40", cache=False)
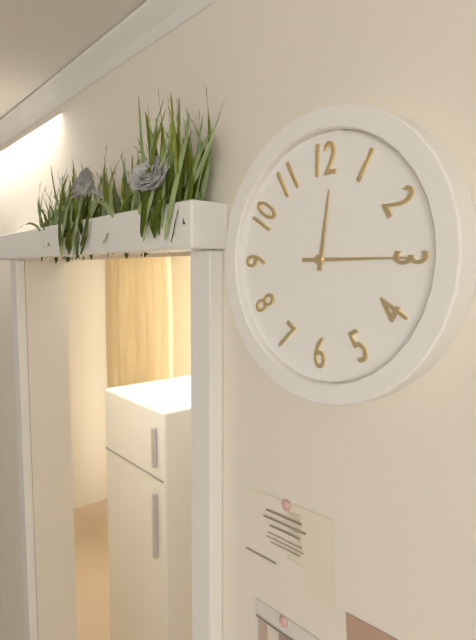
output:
12.15
